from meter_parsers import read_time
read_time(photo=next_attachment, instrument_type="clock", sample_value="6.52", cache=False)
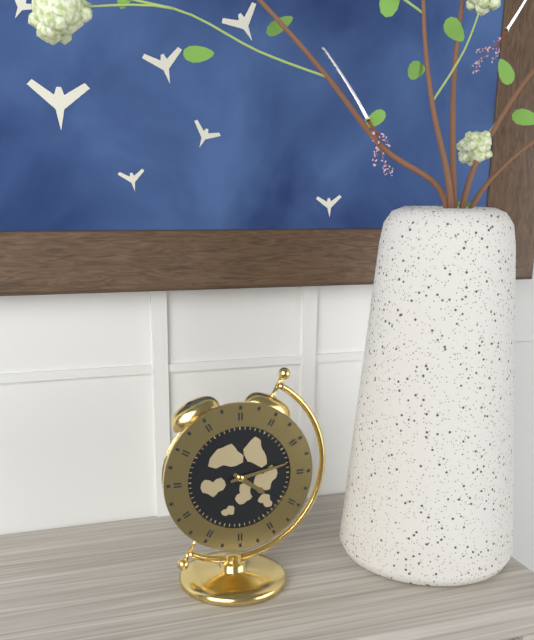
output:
4.13
